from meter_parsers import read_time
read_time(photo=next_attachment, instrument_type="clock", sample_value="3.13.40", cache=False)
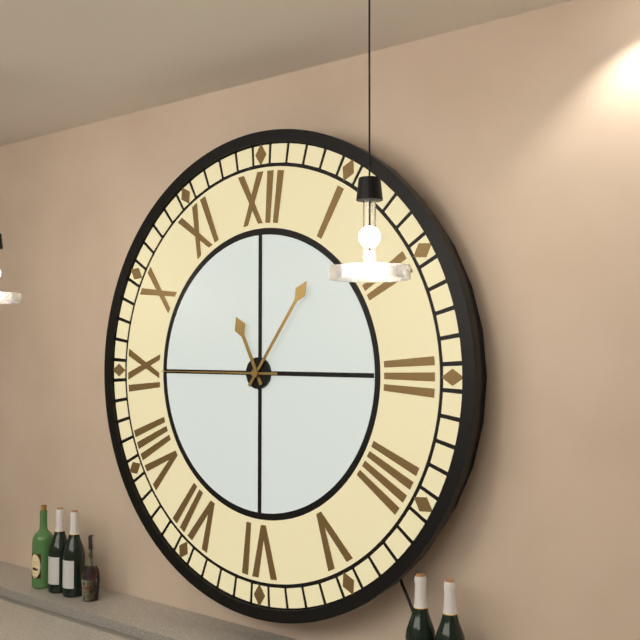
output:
11.06.45
